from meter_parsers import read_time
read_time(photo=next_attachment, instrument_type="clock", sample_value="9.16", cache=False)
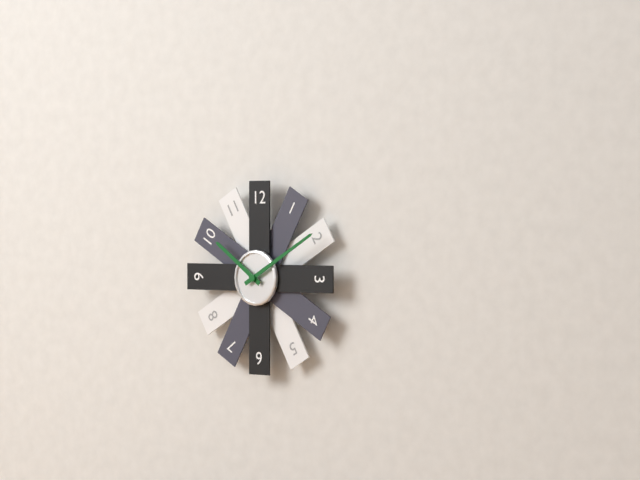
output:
10.10
